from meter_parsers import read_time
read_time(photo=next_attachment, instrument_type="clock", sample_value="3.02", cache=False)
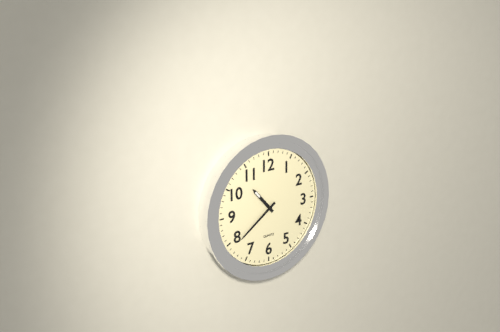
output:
10.39
